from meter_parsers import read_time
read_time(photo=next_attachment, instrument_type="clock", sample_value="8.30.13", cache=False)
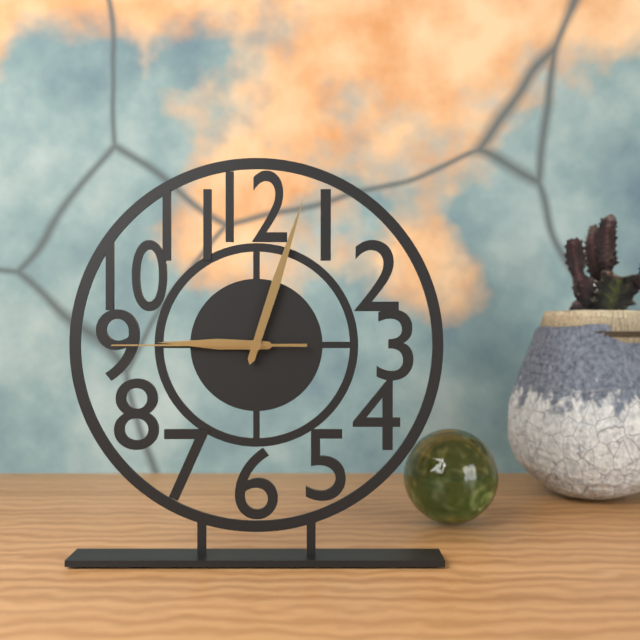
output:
9.03.45
